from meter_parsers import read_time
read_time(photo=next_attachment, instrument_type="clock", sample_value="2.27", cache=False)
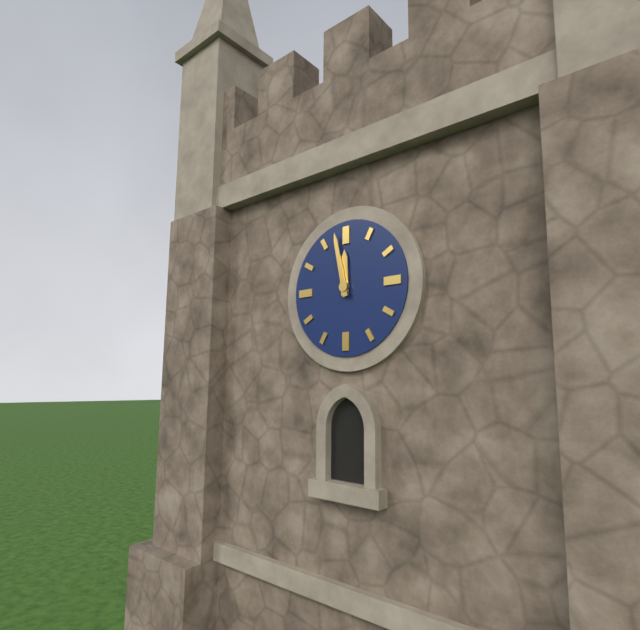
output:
11.58
